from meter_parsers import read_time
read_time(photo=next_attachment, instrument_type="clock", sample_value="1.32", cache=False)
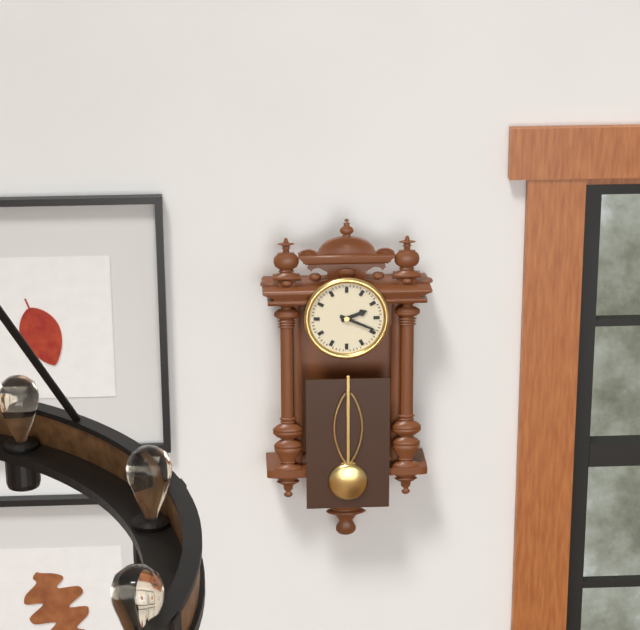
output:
2.19
